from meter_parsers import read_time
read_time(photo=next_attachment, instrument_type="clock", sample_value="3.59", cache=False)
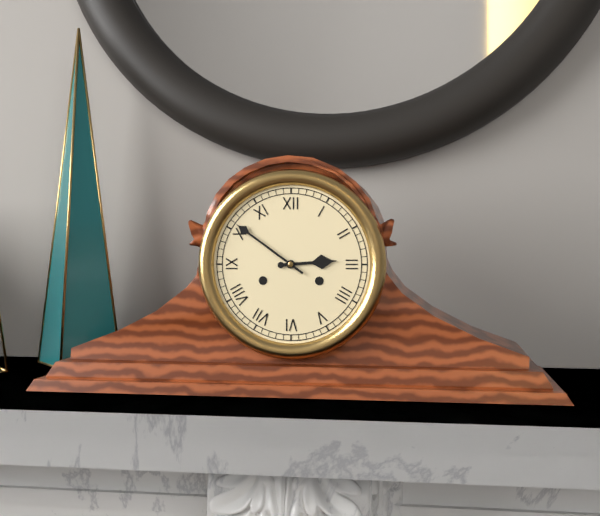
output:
2.51
